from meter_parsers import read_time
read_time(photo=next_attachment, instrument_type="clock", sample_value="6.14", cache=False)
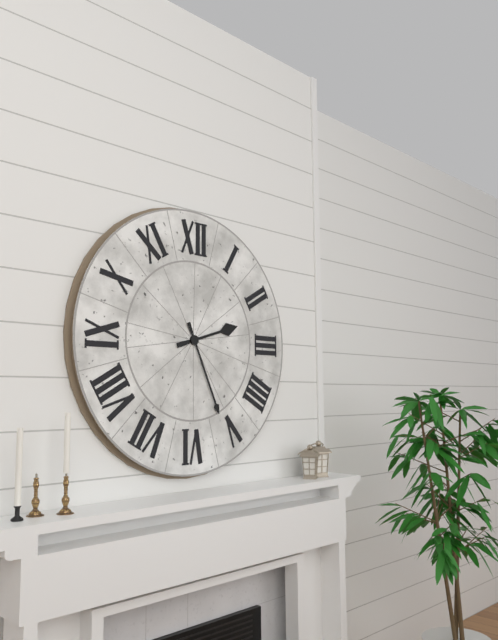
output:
2.26
